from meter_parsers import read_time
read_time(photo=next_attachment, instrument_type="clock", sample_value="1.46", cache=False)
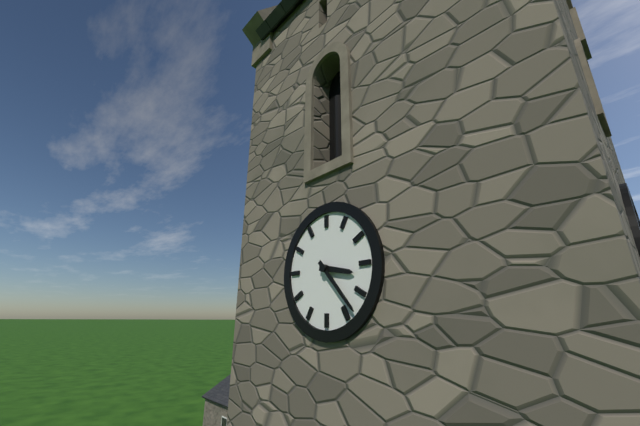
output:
3.23
